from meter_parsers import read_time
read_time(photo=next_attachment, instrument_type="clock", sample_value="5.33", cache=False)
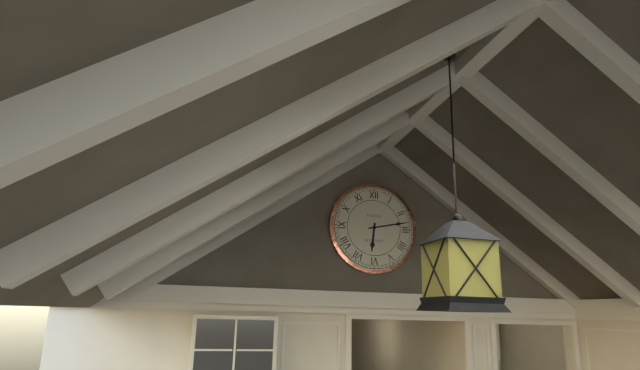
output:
6.13
